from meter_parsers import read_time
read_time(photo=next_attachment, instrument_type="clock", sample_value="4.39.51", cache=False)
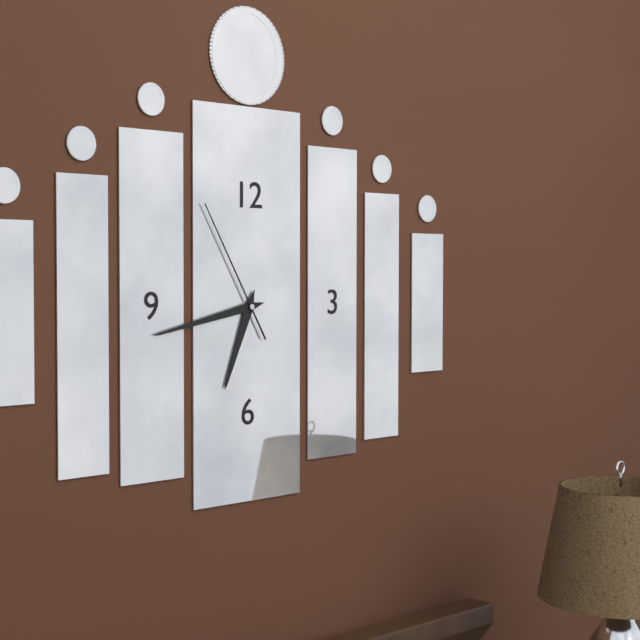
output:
6.43.55
